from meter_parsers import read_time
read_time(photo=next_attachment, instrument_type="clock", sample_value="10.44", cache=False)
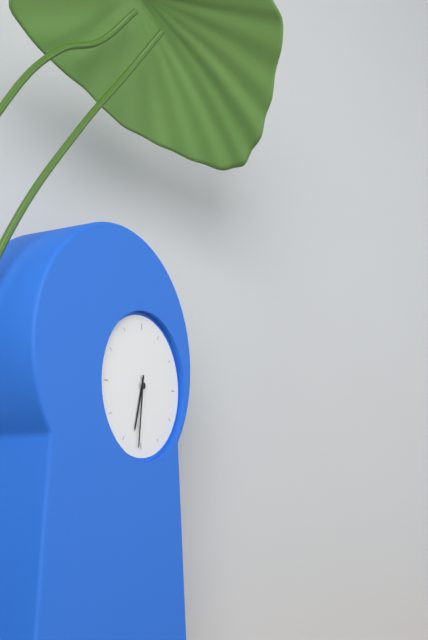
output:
6.31
